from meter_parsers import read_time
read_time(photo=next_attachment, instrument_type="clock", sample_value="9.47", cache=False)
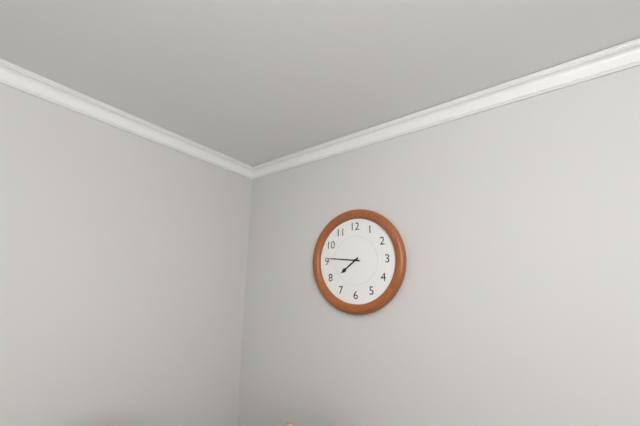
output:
7.46
